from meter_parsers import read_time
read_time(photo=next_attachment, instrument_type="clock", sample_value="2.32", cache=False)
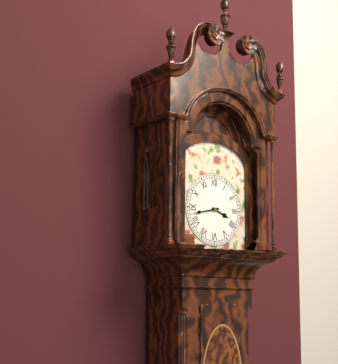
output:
3.43
